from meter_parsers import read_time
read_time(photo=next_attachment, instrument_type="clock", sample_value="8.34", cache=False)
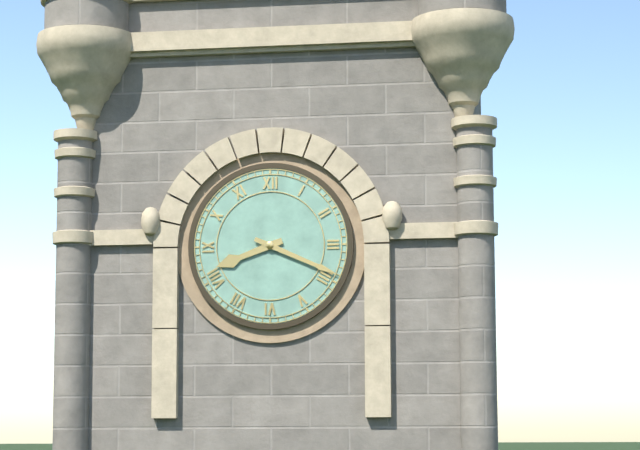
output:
8.19
